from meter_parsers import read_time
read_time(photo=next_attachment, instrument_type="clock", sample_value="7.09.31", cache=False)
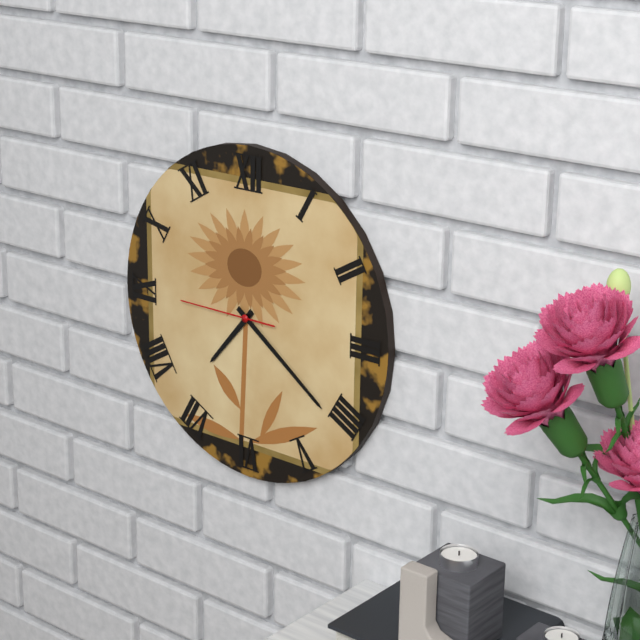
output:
7.21.45
